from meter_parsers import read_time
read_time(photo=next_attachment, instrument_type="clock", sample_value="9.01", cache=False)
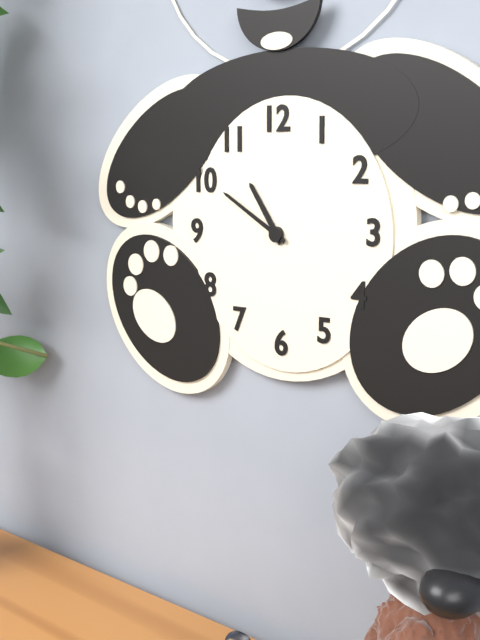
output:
10.50
